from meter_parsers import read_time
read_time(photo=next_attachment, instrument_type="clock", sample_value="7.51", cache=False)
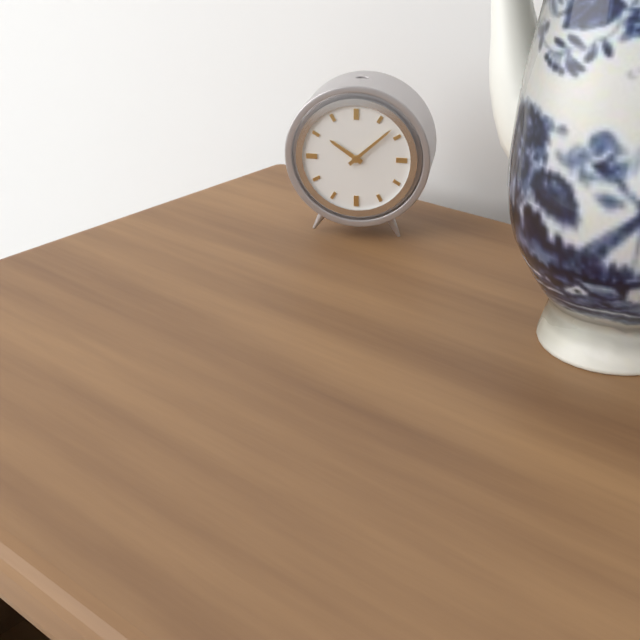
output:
10.08
